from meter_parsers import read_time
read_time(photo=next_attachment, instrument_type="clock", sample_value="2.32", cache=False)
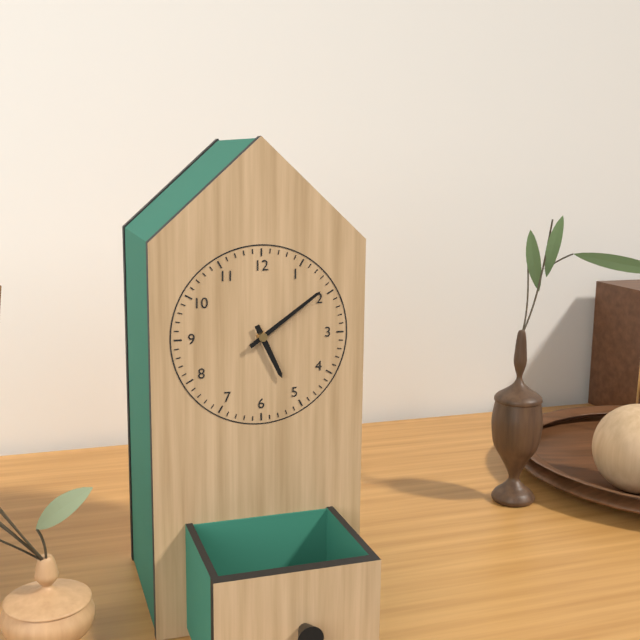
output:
5.09
